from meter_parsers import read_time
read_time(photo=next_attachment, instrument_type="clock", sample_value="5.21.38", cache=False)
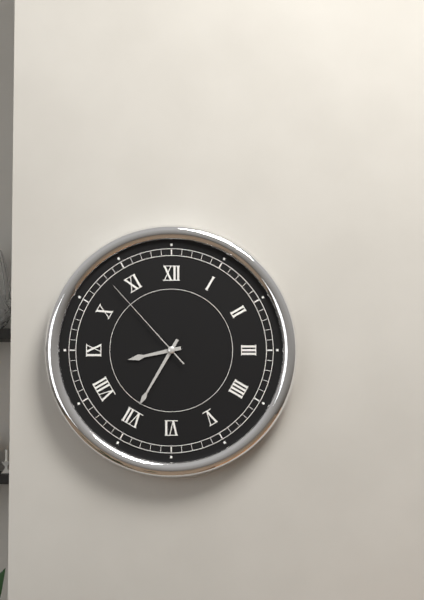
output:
8.35.53
